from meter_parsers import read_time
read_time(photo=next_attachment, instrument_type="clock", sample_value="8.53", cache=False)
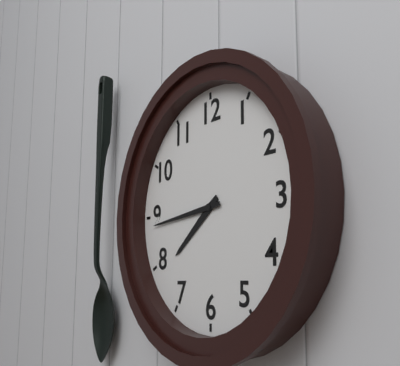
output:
7.44
